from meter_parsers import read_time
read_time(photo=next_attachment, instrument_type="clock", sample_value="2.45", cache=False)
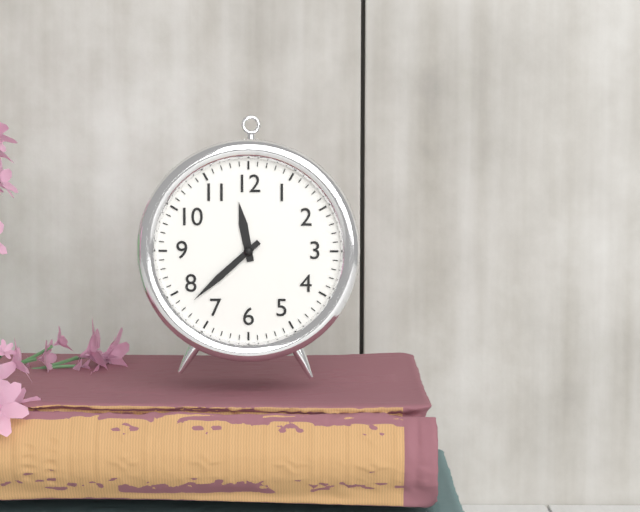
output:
11.38
